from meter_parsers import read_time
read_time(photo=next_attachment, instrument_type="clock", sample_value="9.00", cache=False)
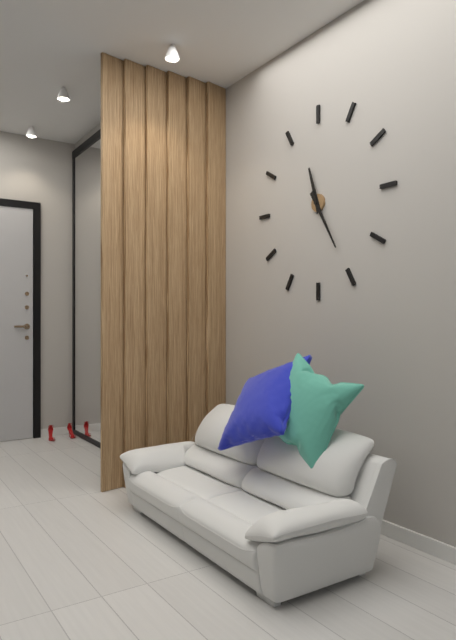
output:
11.25
